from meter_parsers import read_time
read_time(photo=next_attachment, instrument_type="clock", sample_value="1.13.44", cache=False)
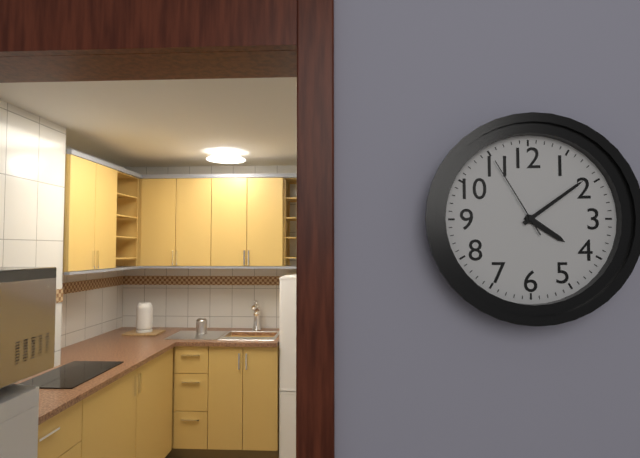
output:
4.09.55
